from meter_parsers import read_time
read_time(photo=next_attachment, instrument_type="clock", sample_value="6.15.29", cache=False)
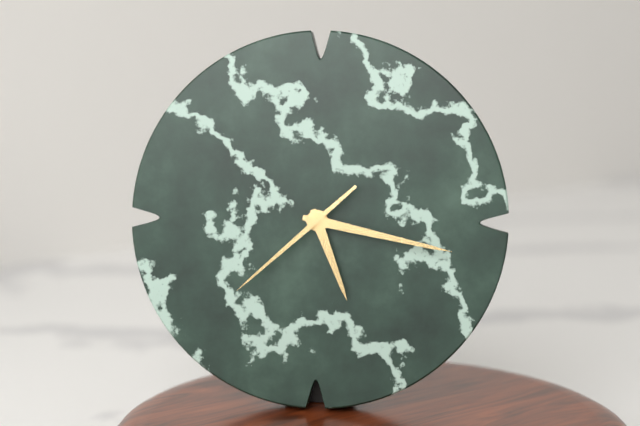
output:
5.17.38
